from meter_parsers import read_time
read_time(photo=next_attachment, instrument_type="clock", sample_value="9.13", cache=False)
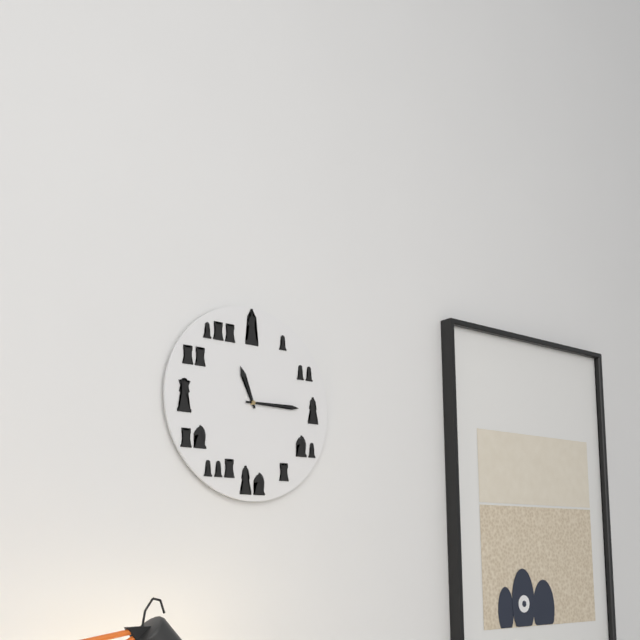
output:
11.15
